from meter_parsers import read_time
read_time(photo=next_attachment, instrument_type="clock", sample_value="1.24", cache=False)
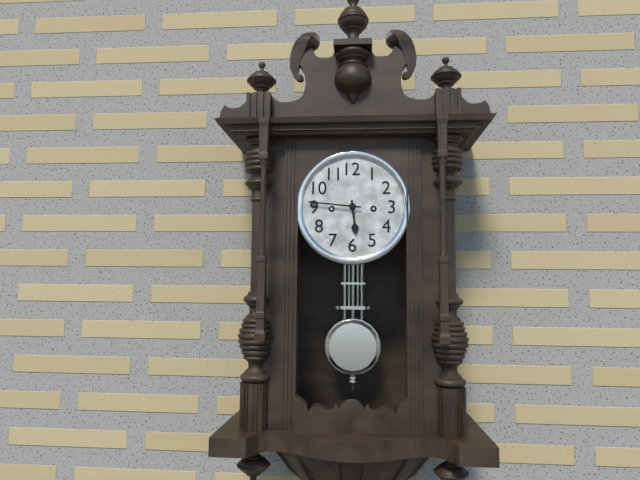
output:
5.46
